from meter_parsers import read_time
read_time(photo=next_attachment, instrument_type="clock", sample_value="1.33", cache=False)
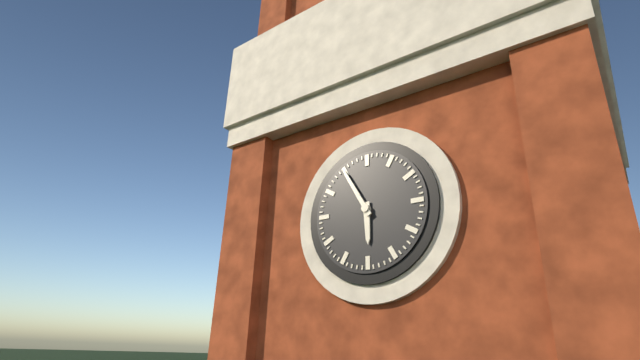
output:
5.55
